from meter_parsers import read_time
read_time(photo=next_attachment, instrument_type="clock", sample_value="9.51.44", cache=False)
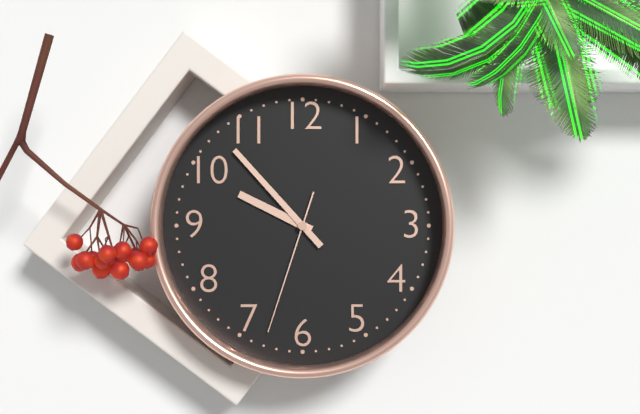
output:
9.53.33
